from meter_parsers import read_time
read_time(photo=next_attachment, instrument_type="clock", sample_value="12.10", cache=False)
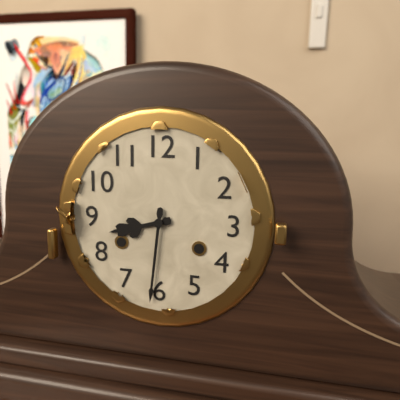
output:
8.31
